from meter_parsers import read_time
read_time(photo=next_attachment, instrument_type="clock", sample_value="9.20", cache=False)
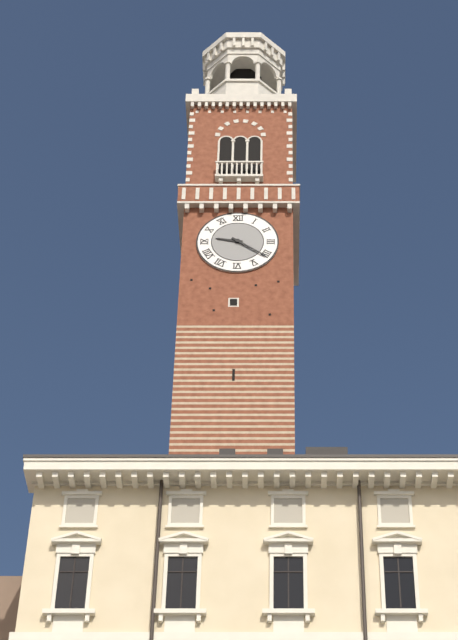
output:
9.21
